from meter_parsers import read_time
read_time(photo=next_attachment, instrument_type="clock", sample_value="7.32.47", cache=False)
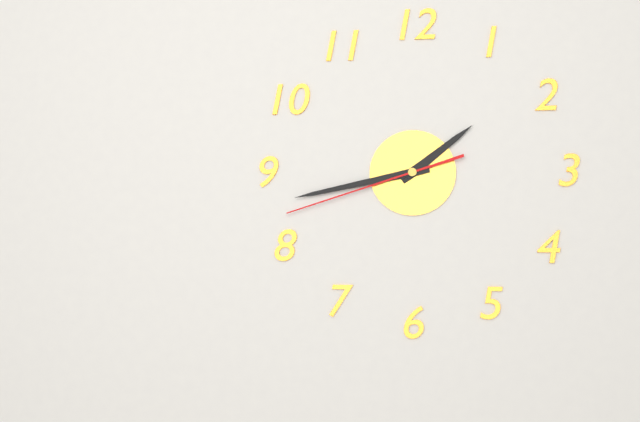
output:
1.43.42
